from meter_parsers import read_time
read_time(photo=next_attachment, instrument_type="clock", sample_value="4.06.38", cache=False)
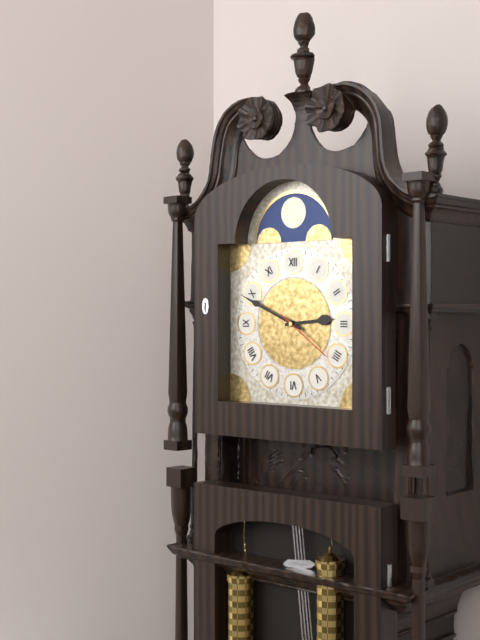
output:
2.49.21
